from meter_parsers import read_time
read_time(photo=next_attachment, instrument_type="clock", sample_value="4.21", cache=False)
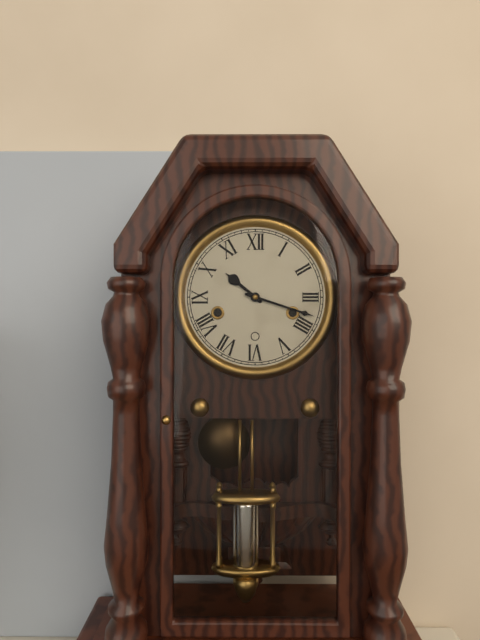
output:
10.18
